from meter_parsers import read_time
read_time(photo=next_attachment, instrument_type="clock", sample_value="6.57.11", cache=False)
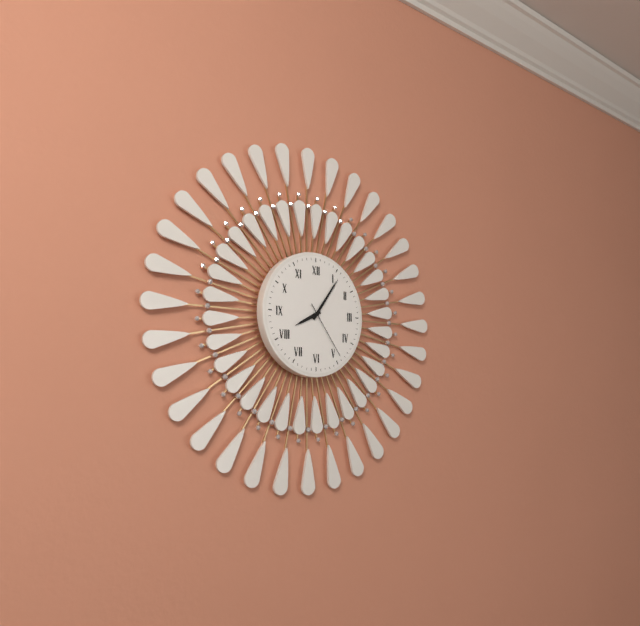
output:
8.06.24
